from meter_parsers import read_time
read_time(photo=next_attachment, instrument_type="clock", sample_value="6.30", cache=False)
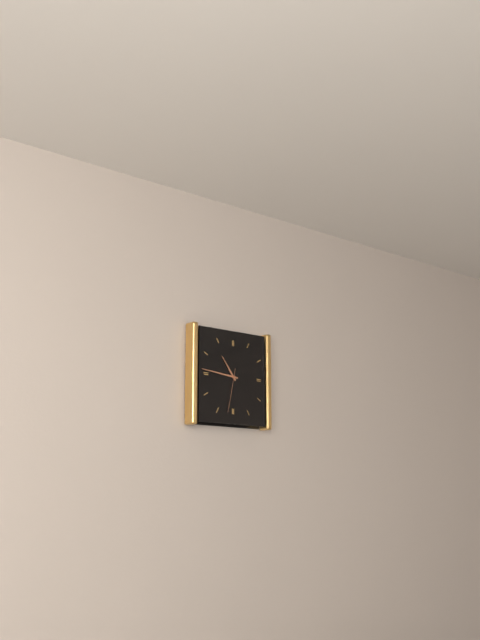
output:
10.46
